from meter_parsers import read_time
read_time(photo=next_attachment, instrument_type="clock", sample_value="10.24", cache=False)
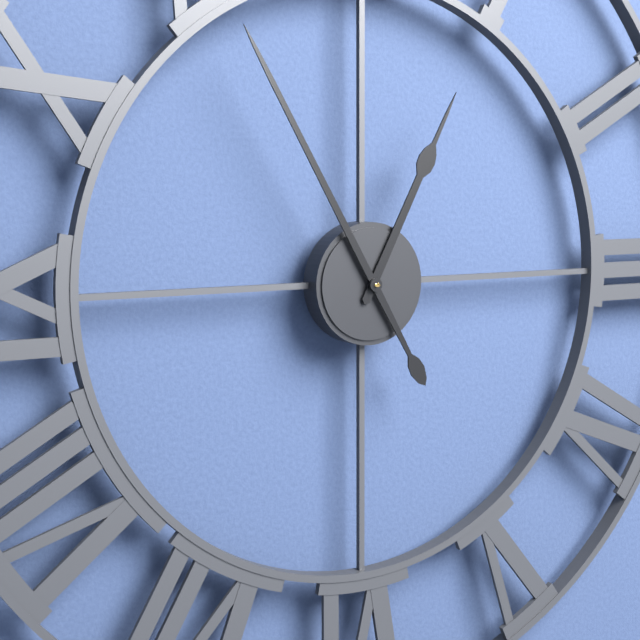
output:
12.55
